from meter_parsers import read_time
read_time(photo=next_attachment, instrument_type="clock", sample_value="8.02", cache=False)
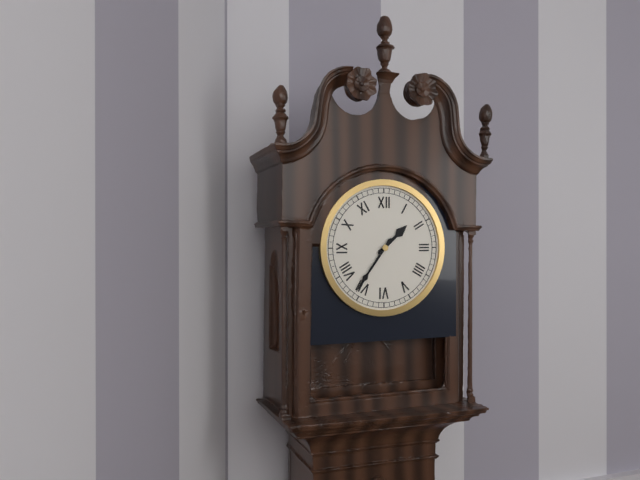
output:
1.36
